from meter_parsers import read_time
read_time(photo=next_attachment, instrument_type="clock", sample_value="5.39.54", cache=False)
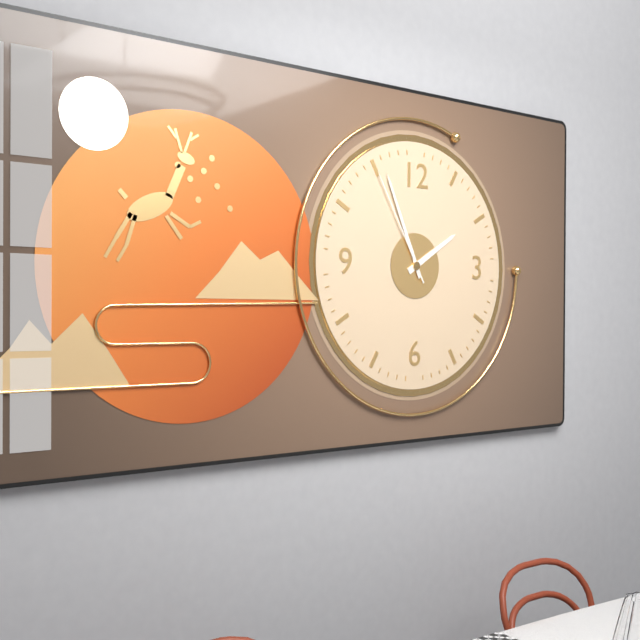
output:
1.56.55
